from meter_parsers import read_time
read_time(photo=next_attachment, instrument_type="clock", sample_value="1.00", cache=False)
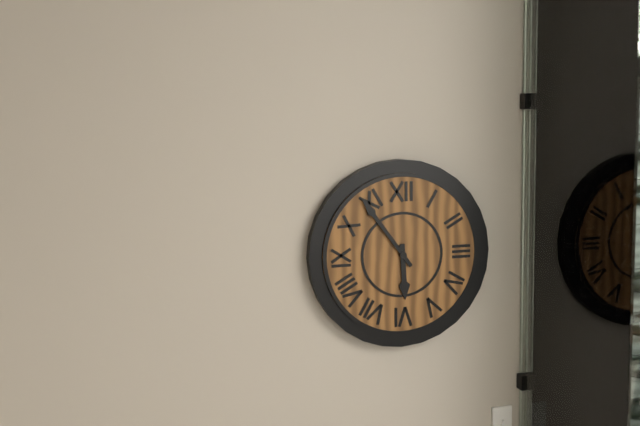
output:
5.54
